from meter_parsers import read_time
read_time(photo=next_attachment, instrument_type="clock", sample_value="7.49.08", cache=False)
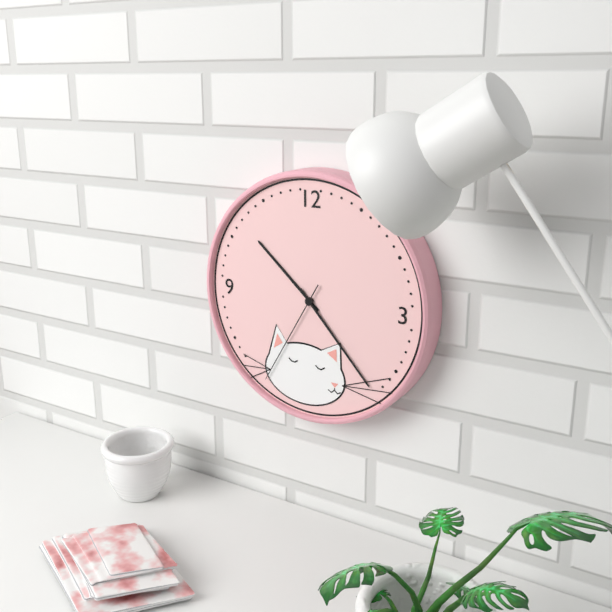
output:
10.23.35
